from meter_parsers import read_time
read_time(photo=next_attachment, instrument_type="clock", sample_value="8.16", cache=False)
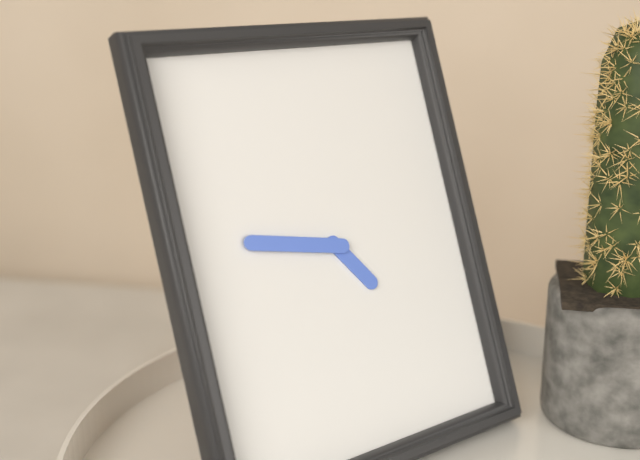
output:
4.47
